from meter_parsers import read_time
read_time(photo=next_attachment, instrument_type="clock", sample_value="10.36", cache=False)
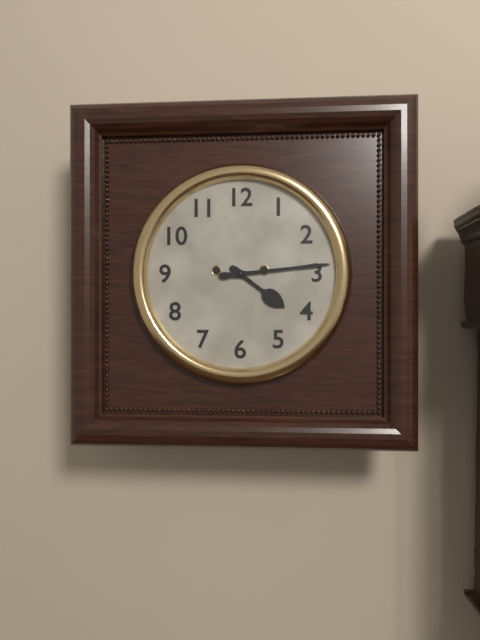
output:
4.14
